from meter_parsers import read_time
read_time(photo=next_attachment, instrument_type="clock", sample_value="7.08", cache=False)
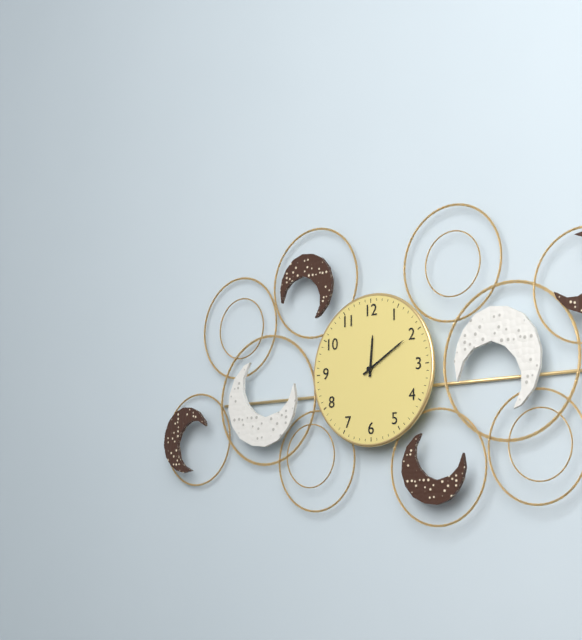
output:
12.10
